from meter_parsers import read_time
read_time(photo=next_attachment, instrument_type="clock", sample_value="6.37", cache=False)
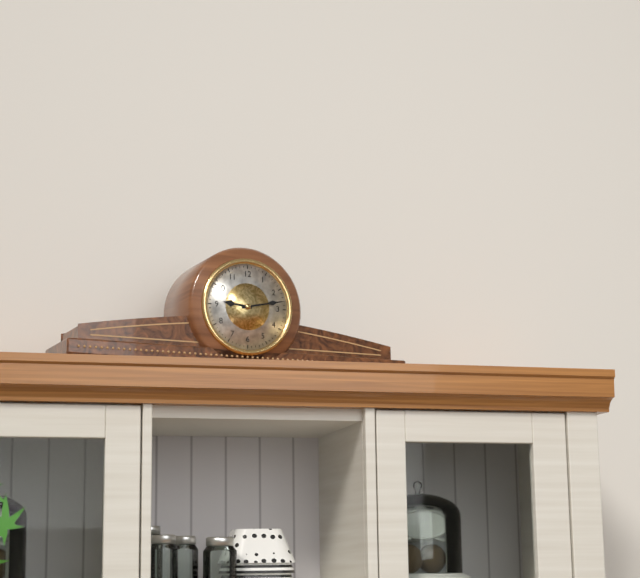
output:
9.13
